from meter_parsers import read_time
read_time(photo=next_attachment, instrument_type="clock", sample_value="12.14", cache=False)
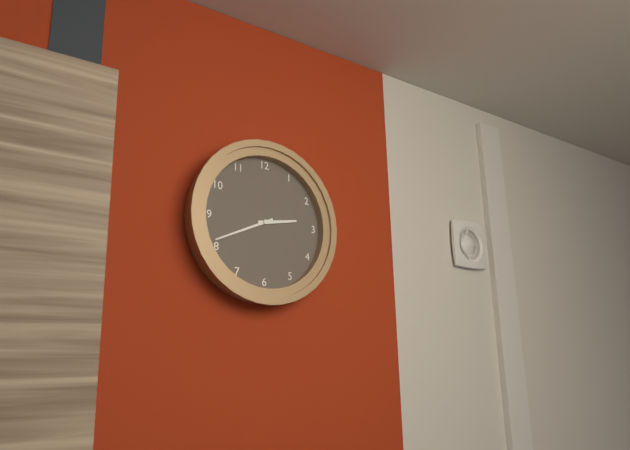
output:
2.41
